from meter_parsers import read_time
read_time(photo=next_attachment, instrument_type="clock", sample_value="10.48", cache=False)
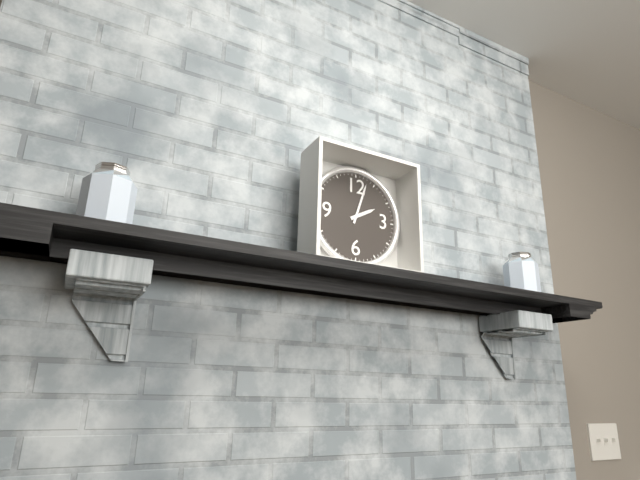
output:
2.03
